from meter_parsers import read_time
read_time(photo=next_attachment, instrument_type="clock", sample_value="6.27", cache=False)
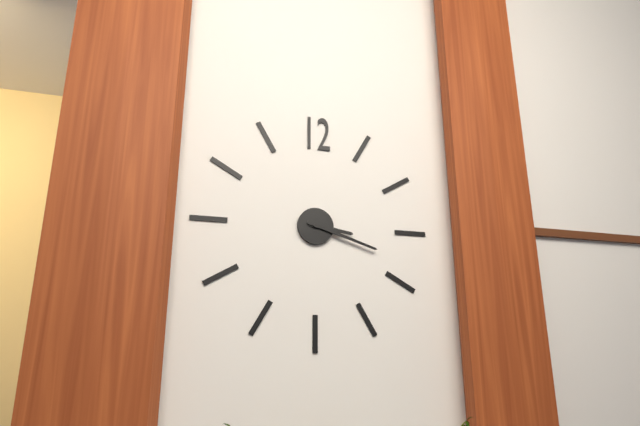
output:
3.18
